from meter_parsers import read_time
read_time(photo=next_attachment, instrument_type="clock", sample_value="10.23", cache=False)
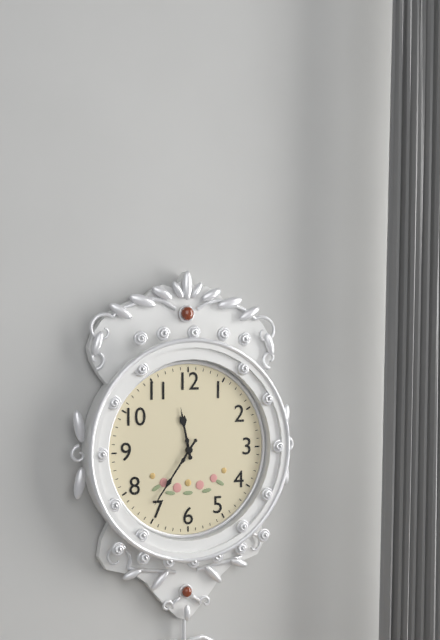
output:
11.36
